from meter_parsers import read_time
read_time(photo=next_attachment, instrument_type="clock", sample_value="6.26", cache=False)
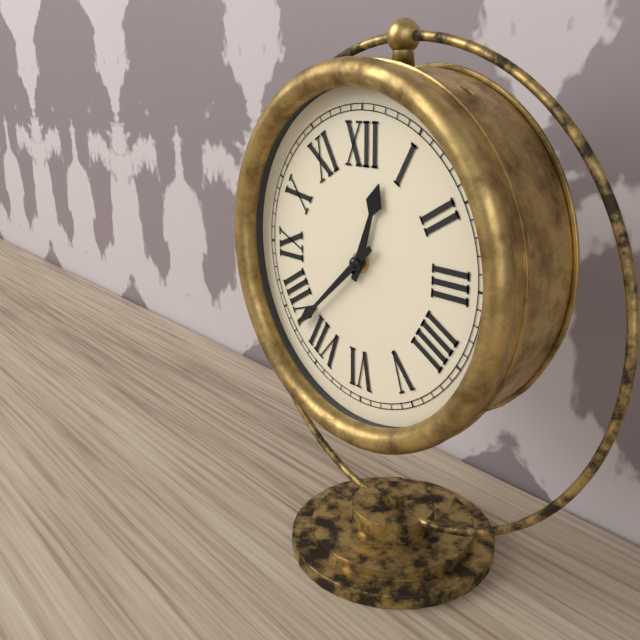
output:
12.38
